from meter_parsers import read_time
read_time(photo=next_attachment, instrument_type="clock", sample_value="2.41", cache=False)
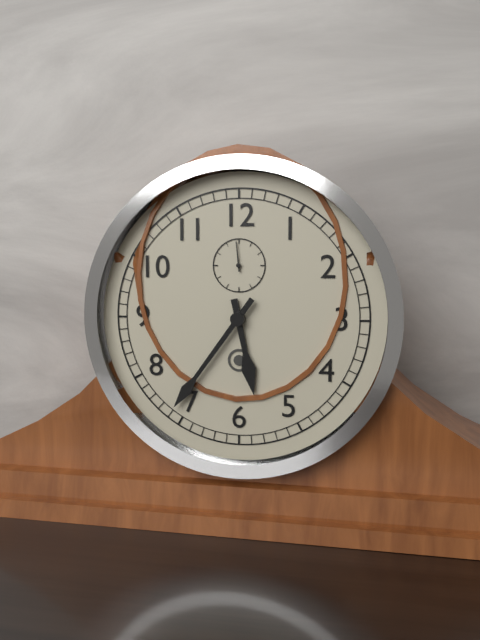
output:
5.36
